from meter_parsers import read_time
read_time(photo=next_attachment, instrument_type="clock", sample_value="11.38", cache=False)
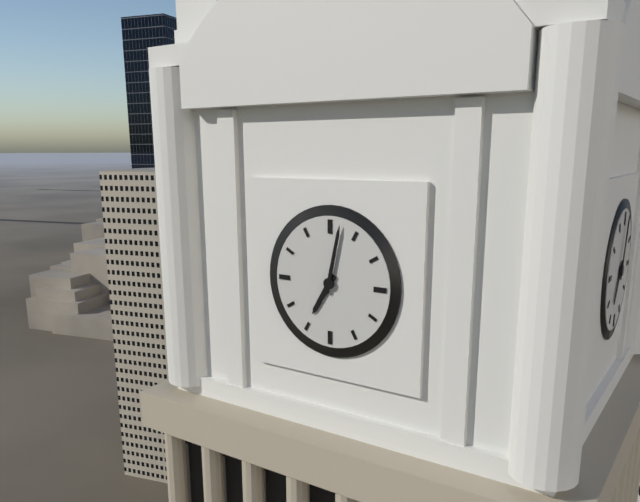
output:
7.02
